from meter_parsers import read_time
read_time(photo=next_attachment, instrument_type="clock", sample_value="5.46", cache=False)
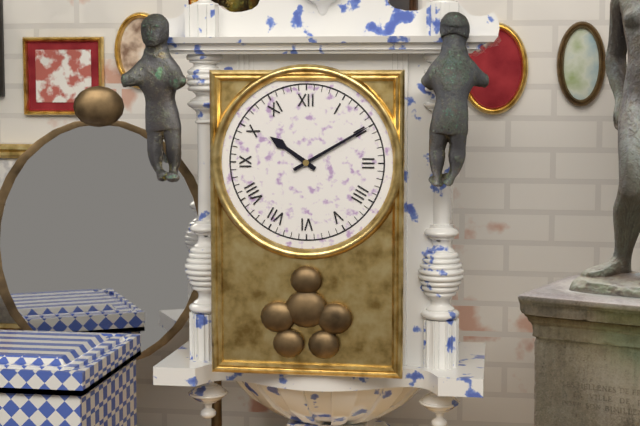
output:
10.10
